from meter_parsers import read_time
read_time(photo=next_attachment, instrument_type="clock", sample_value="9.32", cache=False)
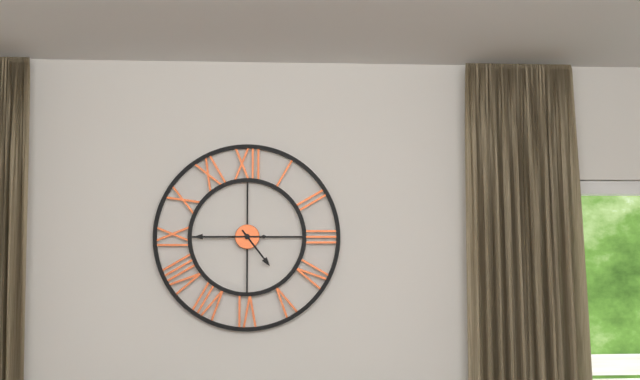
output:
4.45
